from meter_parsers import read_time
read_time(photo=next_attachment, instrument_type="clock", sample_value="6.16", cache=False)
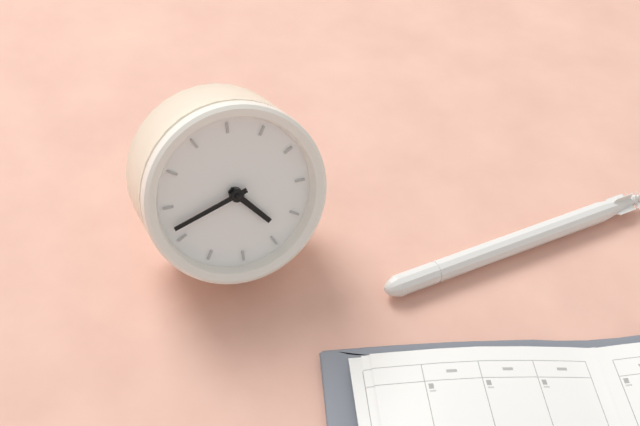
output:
3.37
